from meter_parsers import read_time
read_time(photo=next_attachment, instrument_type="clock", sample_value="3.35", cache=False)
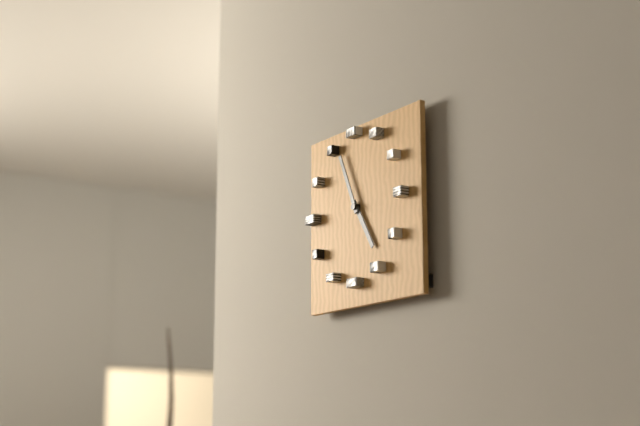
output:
4.56
